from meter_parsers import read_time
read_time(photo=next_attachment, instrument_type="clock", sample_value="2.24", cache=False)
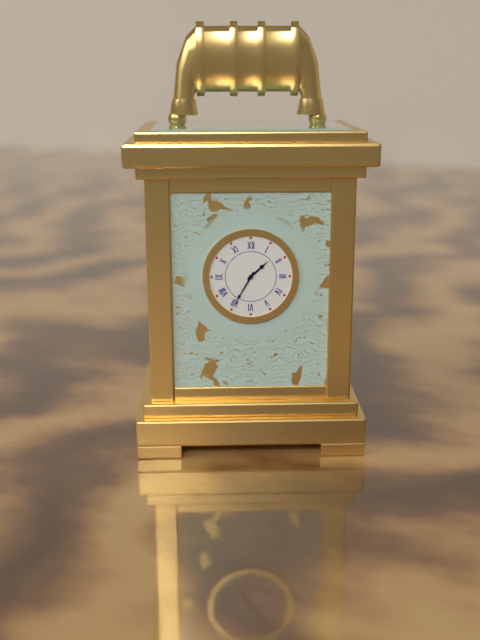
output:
1.35
